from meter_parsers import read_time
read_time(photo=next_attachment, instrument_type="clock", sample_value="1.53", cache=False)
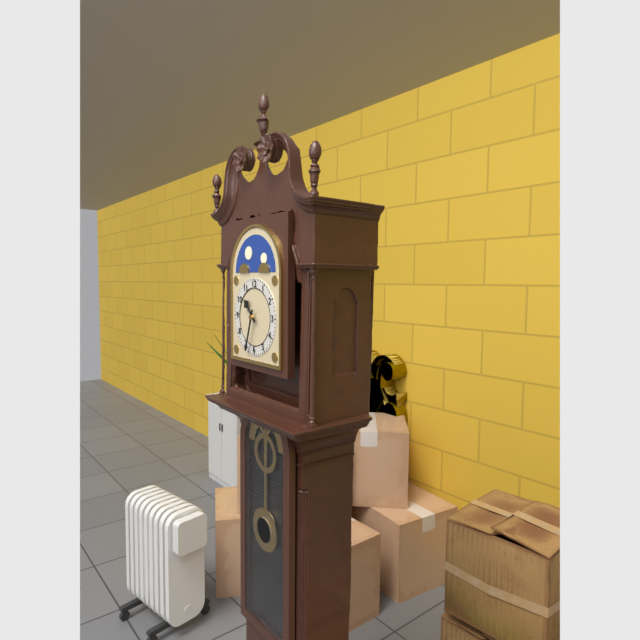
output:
10.33
